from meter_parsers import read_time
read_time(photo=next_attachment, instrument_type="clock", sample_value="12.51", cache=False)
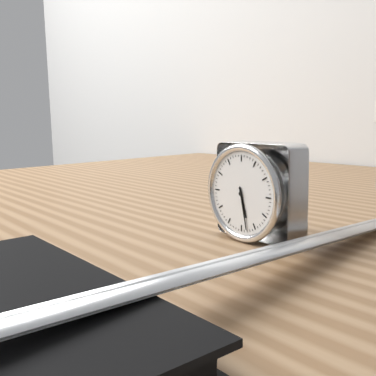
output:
5.28
